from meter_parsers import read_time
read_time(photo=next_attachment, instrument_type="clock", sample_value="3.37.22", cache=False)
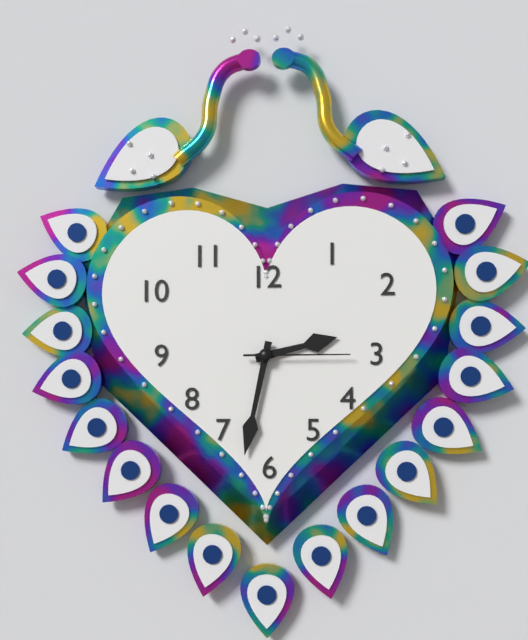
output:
2.32.15
